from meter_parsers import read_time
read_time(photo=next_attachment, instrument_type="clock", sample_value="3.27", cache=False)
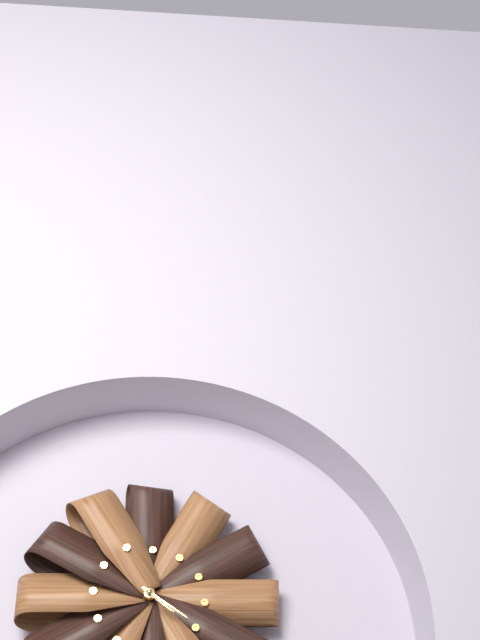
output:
4.21
